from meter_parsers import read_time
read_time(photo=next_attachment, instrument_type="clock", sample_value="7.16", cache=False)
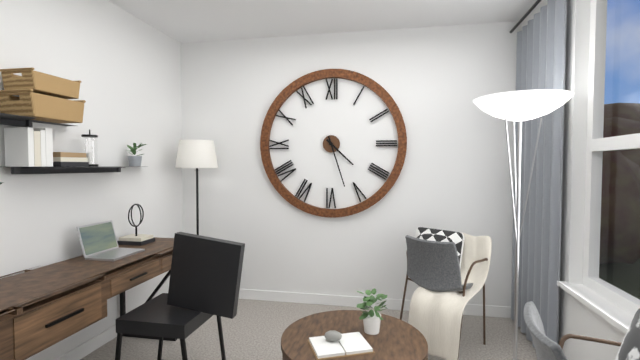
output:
4.27
